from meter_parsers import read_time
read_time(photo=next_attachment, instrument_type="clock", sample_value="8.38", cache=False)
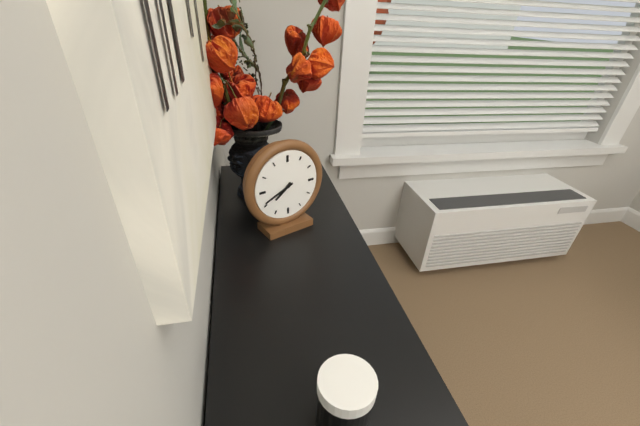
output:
7.41
